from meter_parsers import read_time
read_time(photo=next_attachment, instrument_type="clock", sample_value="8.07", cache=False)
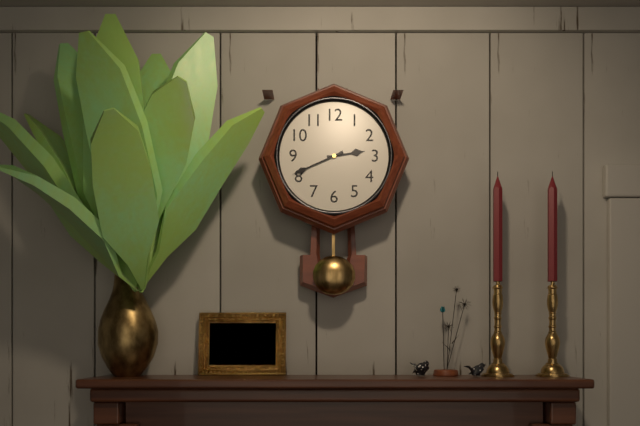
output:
2.41
